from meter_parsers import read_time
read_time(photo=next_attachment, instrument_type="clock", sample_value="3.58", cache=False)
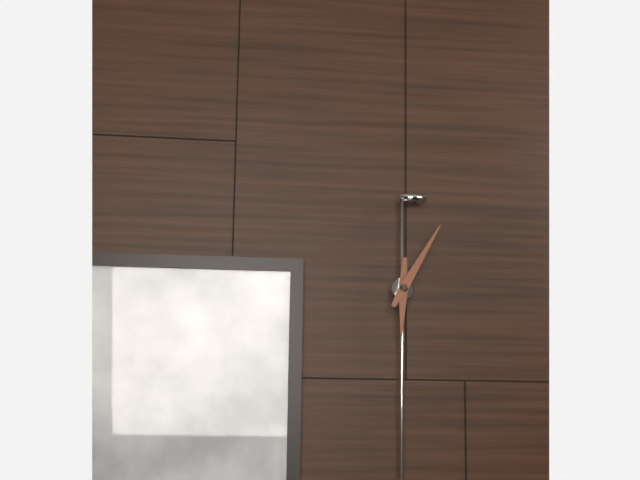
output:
6.05
